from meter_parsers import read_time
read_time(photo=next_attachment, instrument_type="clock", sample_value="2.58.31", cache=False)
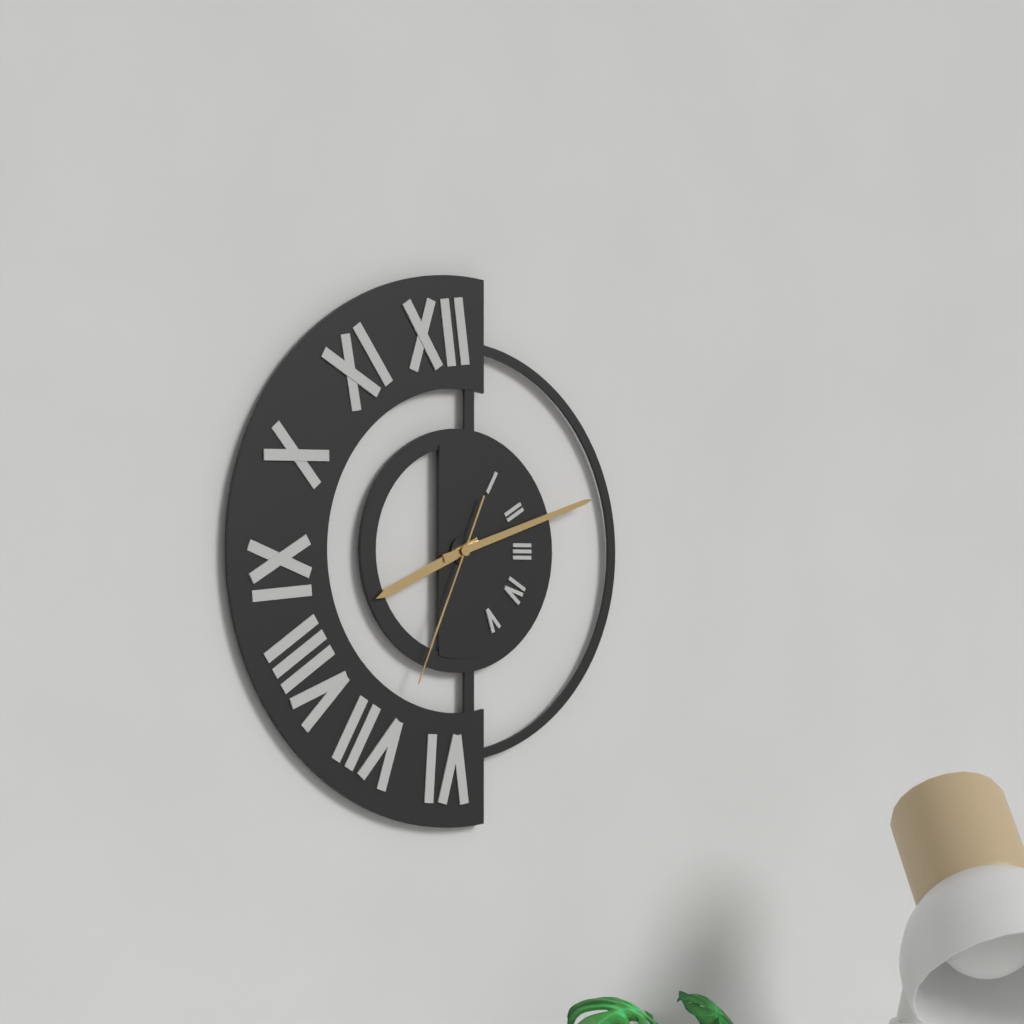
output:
8.12.34
